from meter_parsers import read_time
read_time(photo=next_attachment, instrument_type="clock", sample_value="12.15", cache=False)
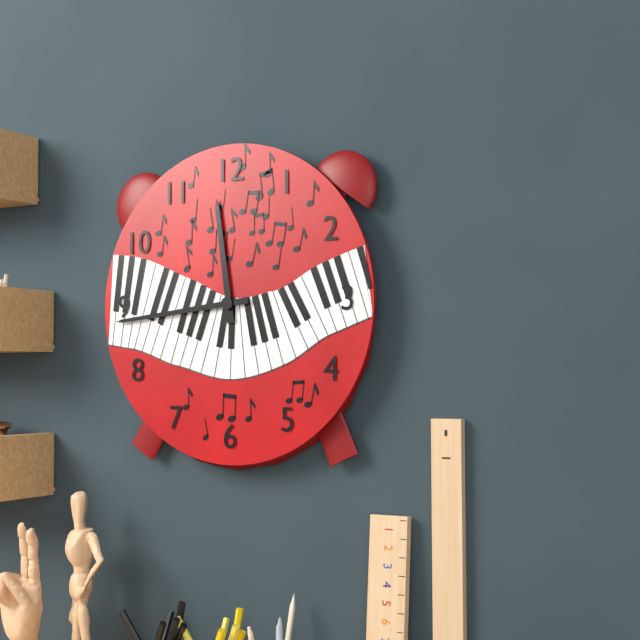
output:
11.44
